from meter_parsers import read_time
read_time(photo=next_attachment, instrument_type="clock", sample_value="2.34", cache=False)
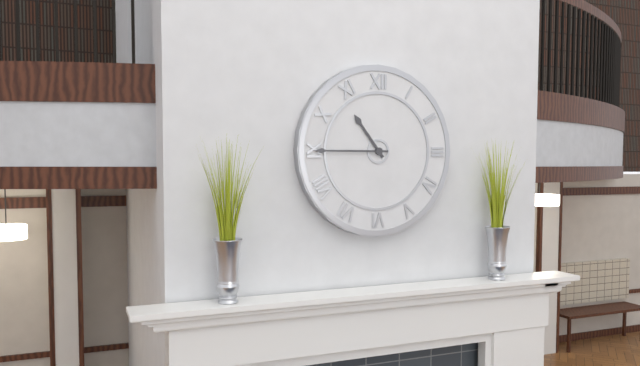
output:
10.45
